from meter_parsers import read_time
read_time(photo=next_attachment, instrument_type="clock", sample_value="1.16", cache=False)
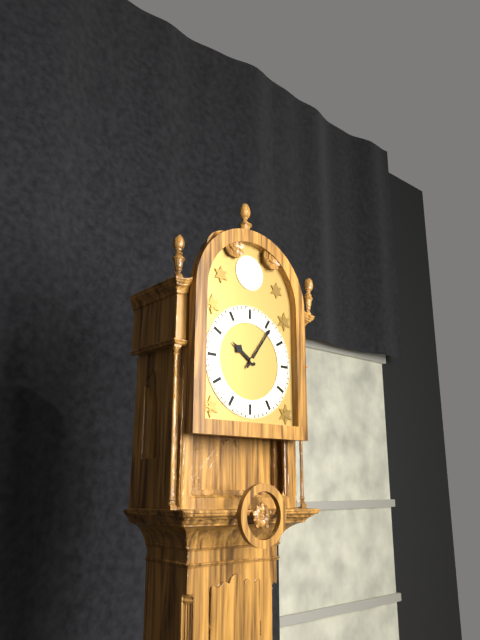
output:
10.06
